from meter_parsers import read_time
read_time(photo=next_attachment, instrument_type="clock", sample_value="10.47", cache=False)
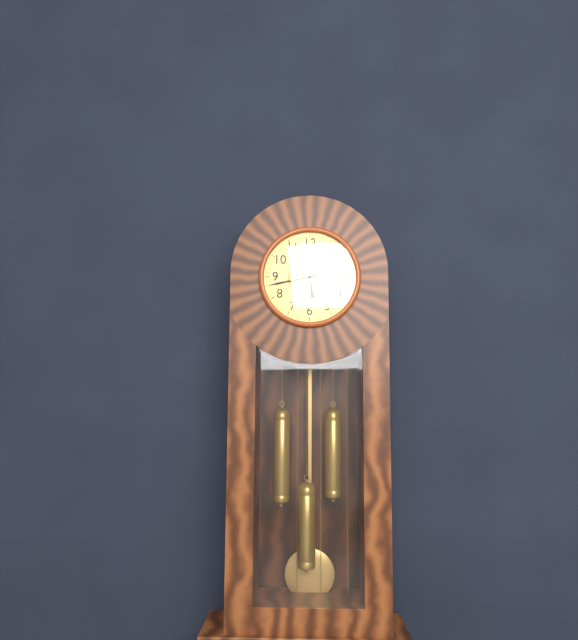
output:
5.43
